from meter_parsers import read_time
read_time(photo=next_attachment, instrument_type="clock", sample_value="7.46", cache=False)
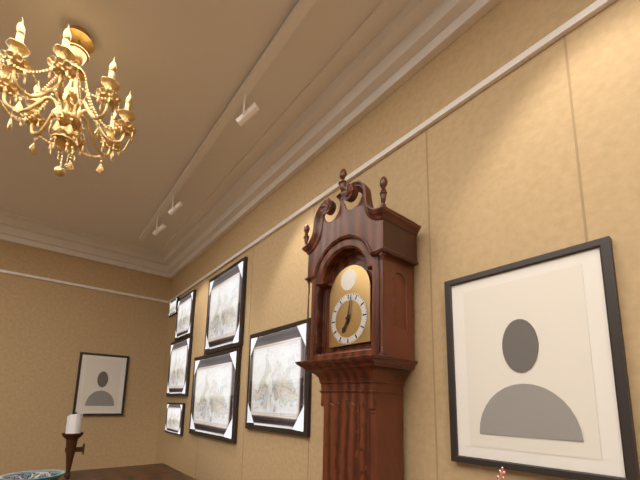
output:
7.02
